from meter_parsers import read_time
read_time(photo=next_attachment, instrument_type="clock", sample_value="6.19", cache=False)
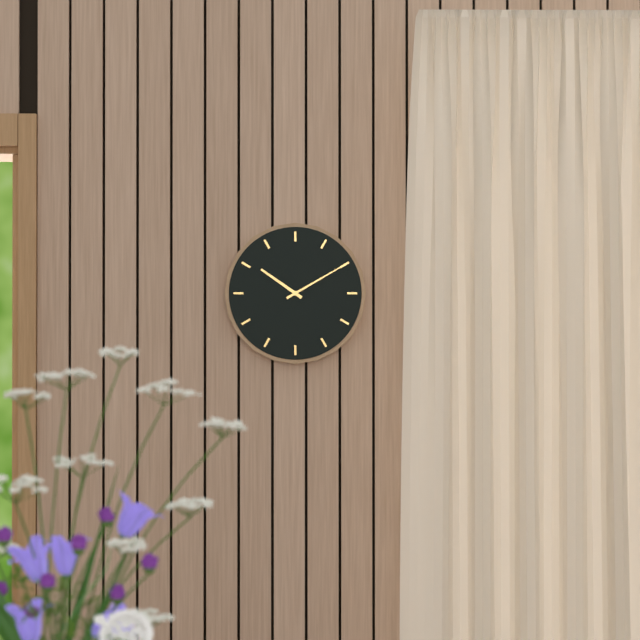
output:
10.10
